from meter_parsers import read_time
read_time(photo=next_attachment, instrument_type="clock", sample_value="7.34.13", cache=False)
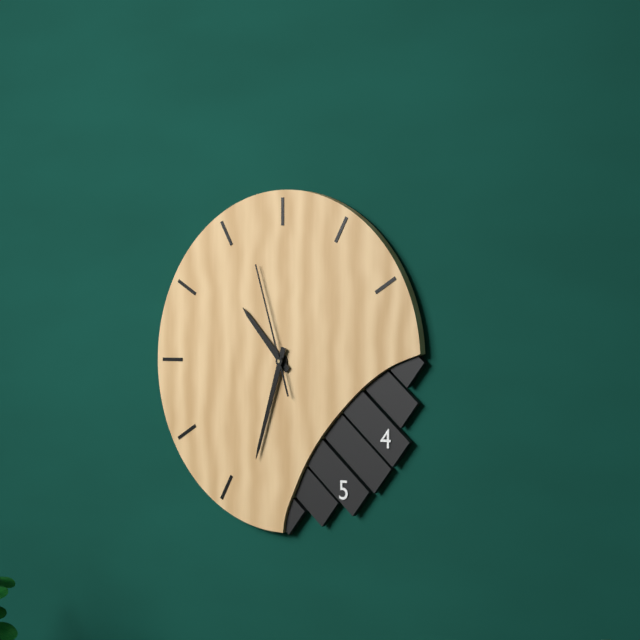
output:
10.33.57
